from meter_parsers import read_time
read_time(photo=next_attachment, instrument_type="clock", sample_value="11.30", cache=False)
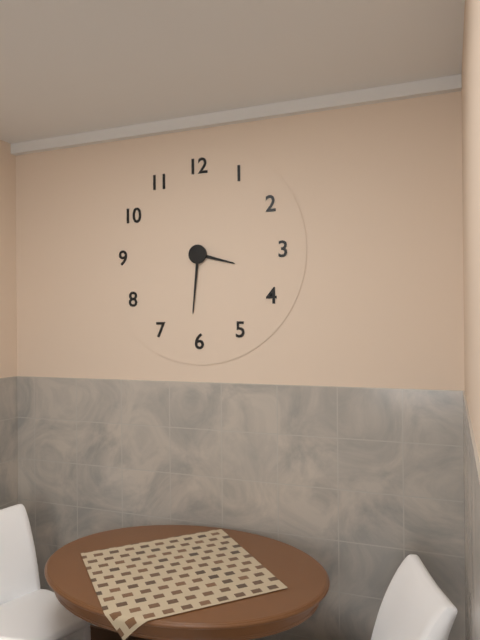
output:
3.31
